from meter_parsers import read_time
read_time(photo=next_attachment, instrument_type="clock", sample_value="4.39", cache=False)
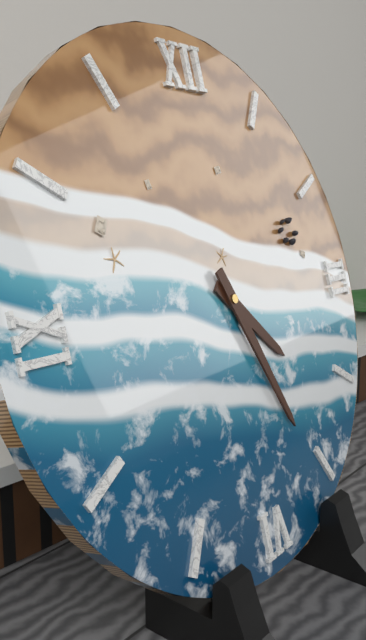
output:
4.26
